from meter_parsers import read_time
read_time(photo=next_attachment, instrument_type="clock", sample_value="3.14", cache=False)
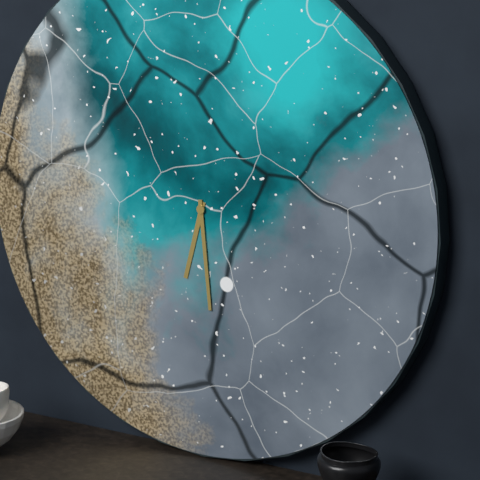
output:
6.29
